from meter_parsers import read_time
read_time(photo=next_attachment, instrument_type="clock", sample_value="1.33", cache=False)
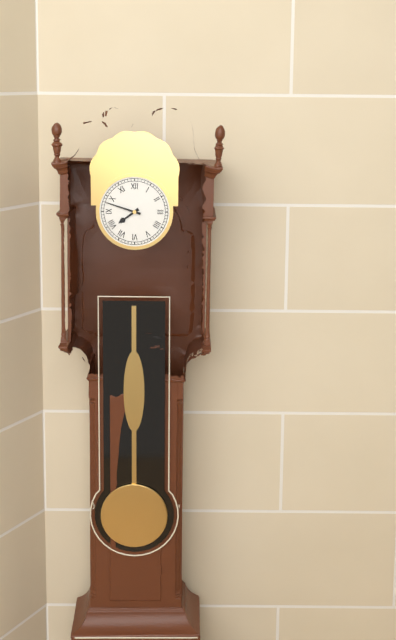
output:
7.48
